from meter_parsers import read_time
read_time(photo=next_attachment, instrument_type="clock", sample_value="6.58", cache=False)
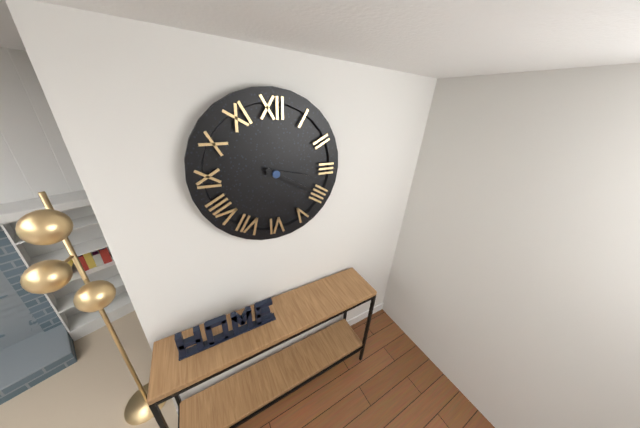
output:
3.20
